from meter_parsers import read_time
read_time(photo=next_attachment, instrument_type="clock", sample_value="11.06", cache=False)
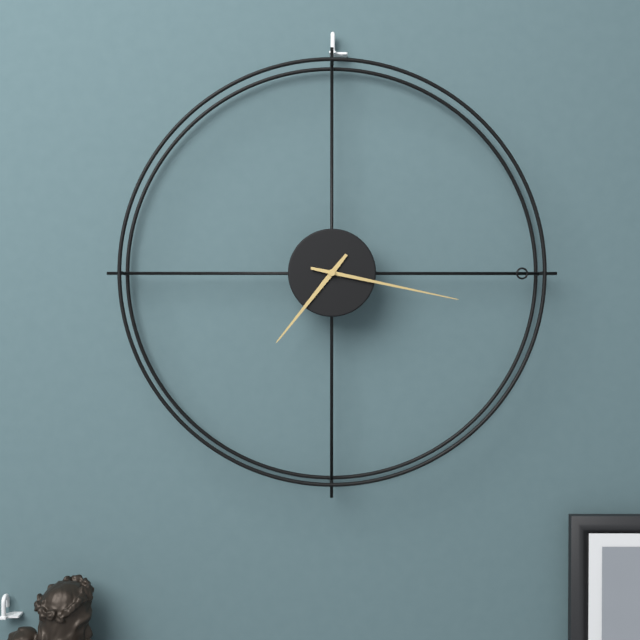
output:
7.17
